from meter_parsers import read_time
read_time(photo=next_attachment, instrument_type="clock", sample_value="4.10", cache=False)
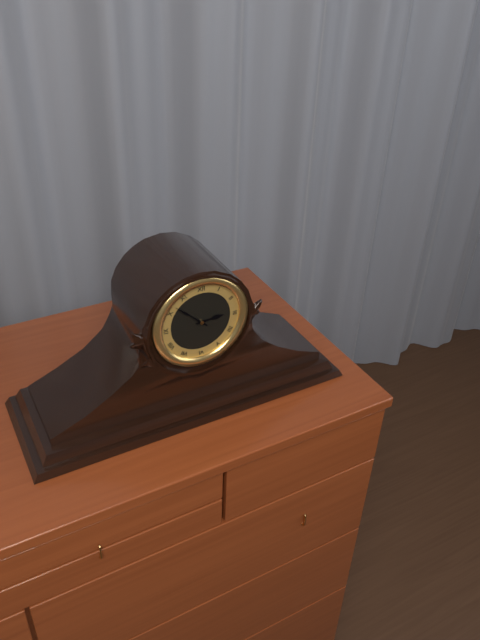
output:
2.52
